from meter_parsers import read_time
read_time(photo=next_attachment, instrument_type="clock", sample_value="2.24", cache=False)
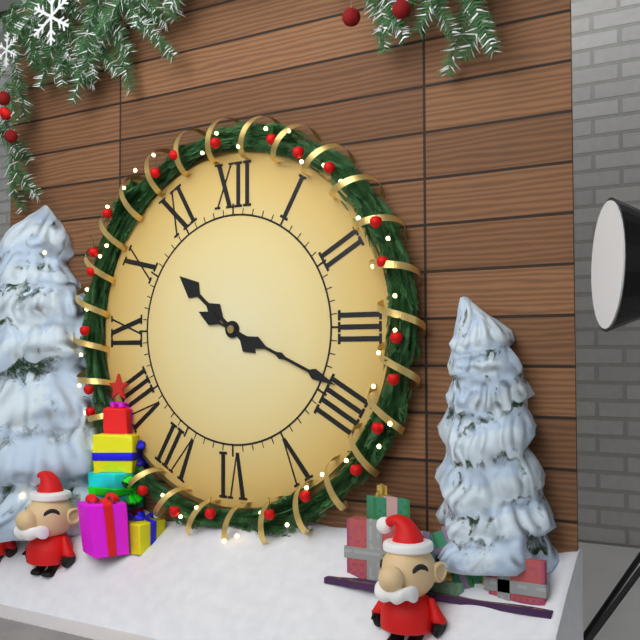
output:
10.19
